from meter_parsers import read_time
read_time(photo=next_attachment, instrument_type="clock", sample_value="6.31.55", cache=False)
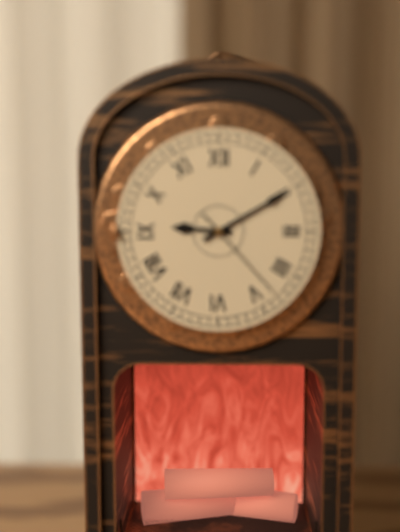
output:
9.10.23
